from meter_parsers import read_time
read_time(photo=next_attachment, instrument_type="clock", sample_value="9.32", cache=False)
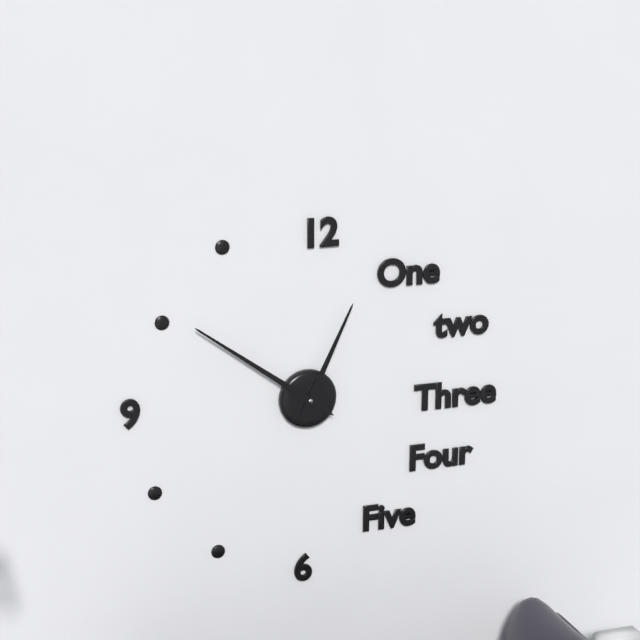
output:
12.51
